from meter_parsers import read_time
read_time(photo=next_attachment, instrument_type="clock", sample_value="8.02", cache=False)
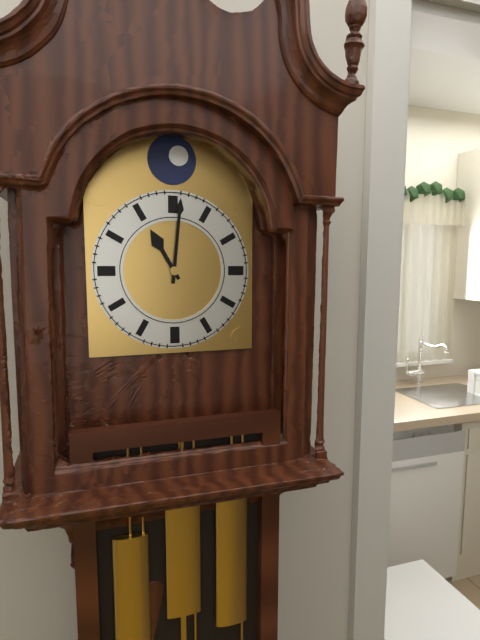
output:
11.01
